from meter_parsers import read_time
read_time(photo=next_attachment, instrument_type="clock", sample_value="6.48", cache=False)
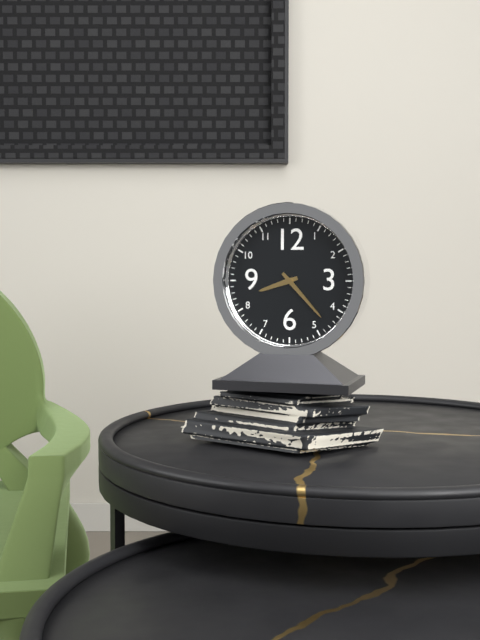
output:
8.23
